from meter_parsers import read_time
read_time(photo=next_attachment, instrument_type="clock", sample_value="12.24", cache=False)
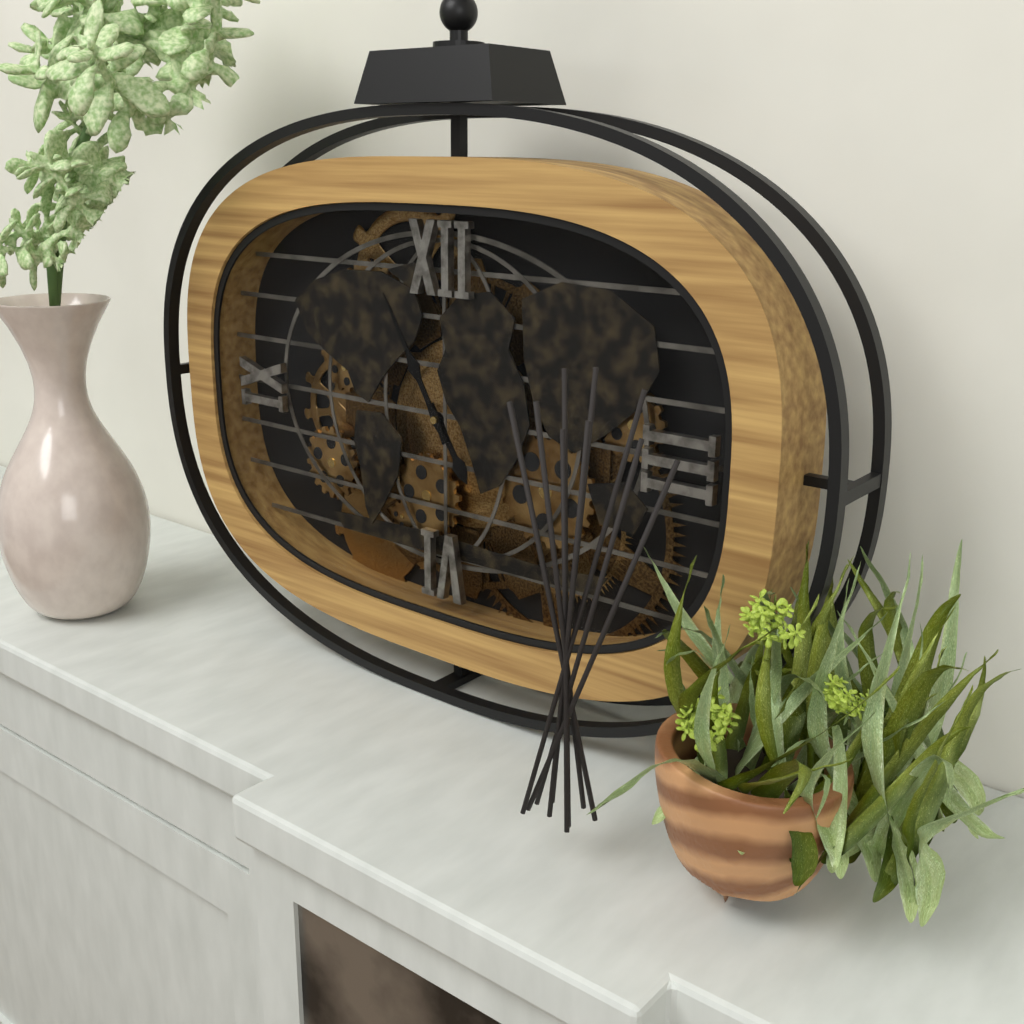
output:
4.55
